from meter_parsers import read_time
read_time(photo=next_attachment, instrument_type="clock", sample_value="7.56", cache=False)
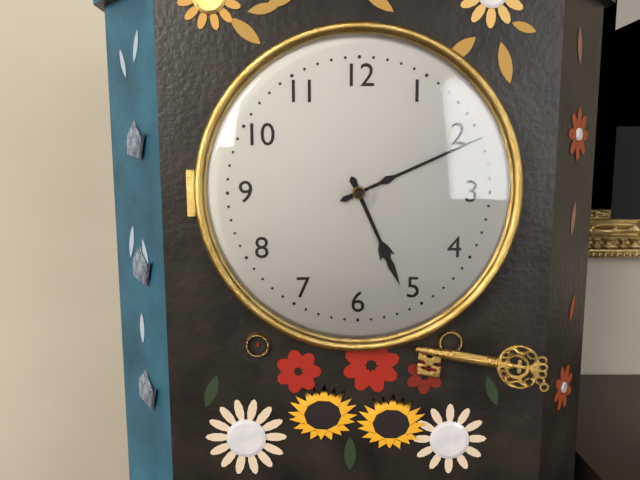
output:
5.11
